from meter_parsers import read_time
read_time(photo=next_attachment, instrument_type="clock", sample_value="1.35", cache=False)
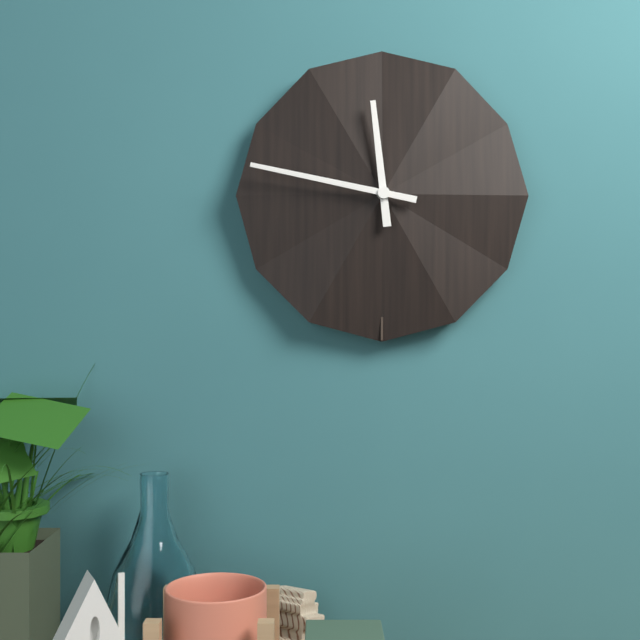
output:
11.47
